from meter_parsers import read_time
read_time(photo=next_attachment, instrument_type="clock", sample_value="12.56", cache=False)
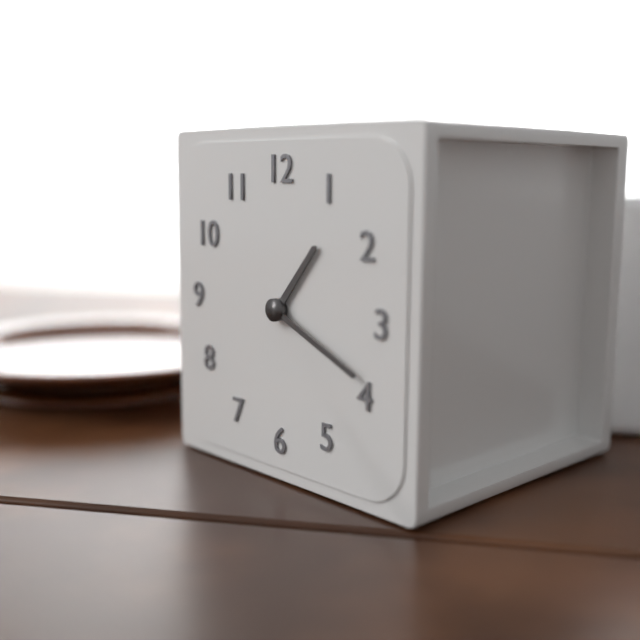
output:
1.19
